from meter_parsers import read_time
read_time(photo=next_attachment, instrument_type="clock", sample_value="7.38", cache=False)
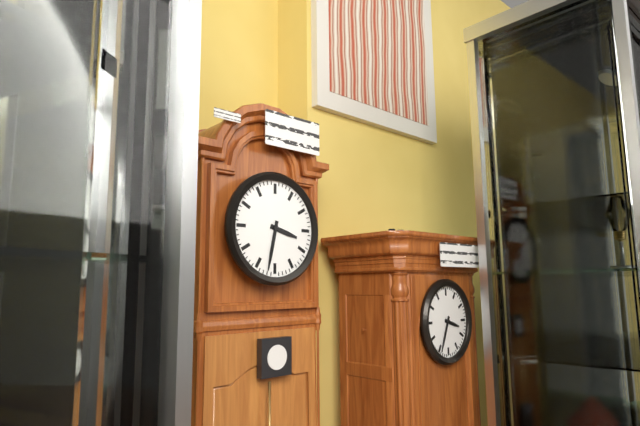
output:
3.32
